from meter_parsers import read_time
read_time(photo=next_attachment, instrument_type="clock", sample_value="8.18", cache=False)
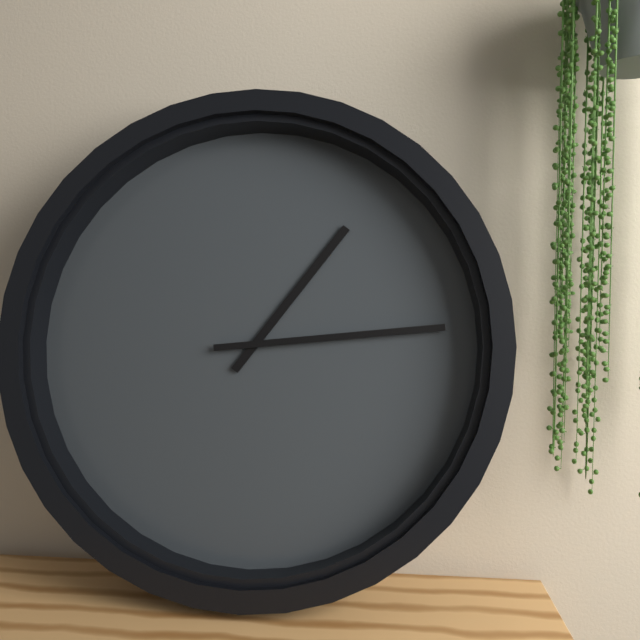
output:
1.14
